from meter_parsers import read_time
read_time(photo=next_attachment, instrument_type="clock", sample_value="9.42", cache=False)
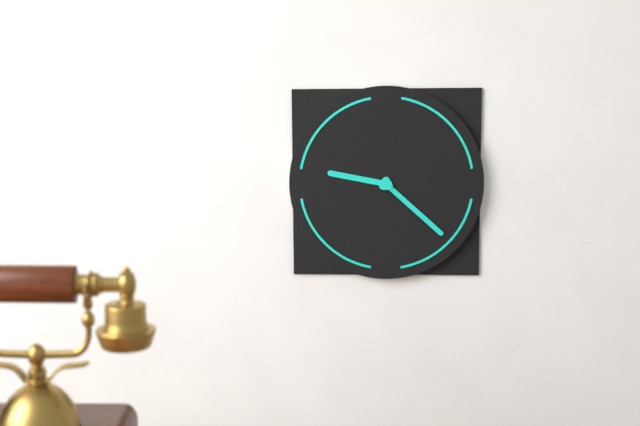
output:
9.22
